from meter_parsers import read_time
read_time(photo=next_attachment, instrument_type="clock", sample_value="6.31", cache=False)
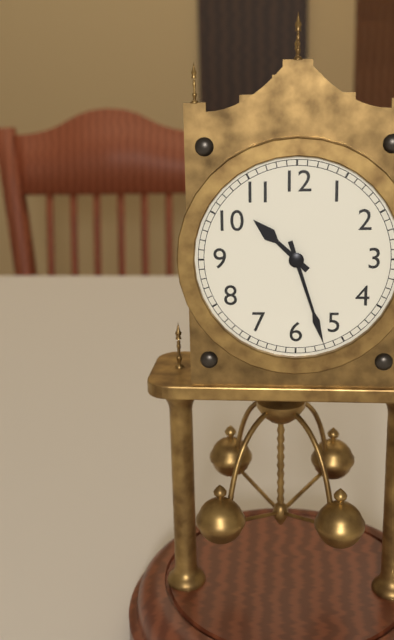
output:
10.27
